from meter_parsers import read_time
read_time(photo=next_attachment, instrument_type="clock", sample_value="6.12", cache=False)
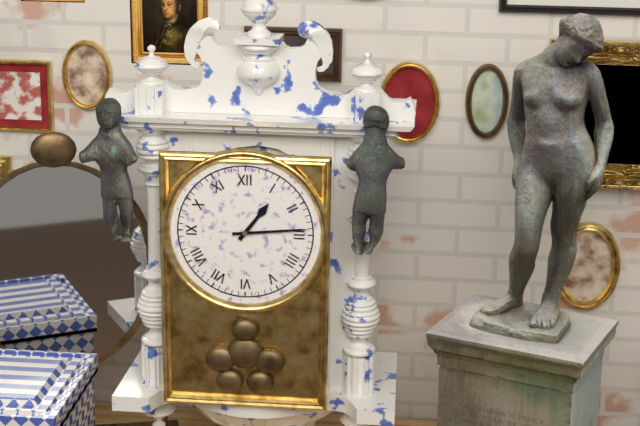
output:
1.14
